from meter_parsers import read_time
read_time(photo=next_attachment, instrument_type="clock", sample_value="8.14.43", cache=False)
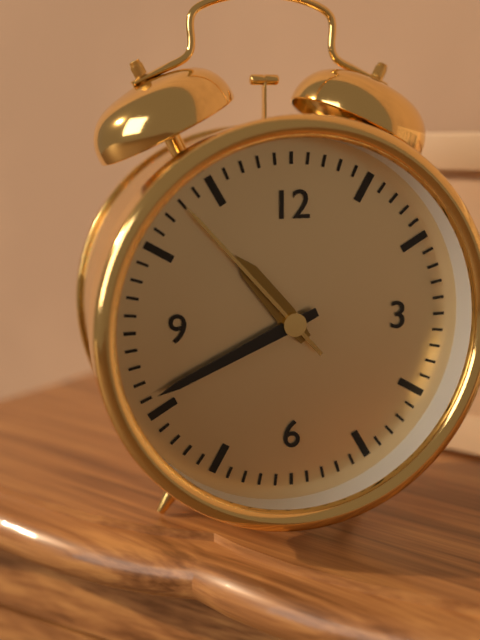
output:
10.41.53
